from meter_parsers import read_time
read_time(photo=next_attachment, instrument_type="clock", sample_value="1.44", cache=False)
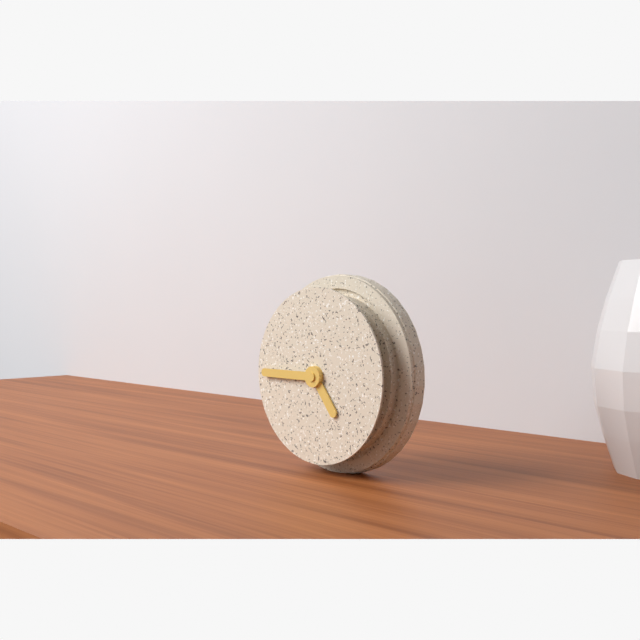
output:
4.45
